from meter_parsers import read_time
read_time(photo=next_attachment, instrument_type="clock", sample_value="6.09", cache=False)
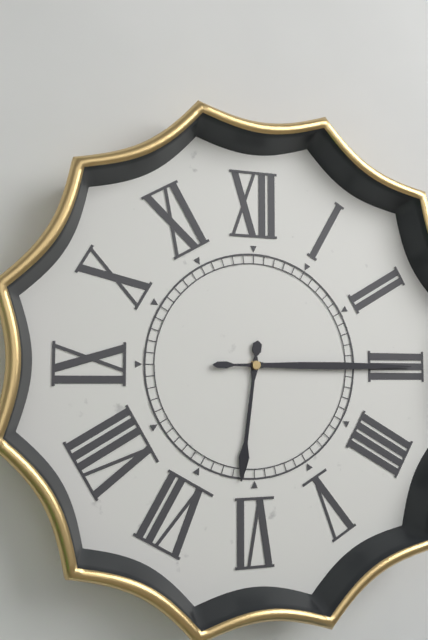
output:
6.15
